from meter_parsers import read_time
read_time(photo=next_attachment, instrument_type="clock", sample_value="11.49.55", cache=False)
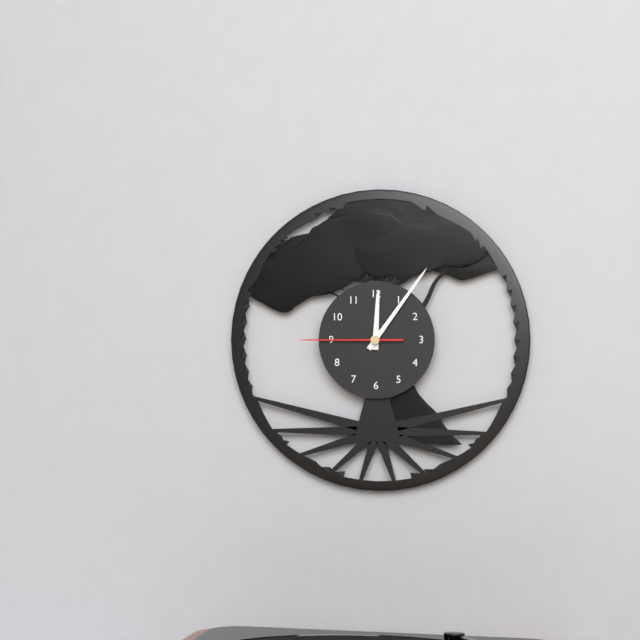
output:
12.06.45
